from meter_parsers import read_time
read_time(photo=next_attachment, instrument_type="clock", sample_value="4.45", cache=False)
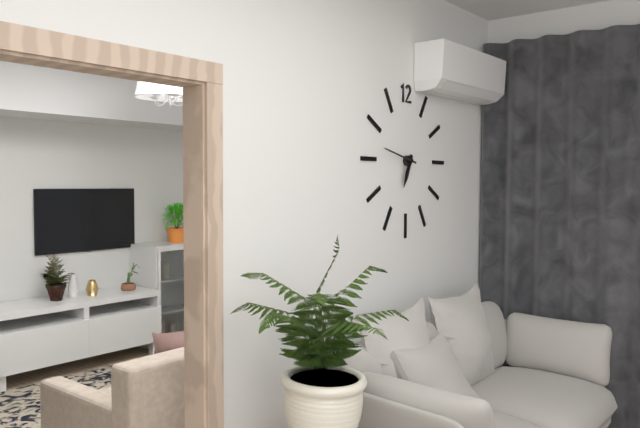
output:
6.47
